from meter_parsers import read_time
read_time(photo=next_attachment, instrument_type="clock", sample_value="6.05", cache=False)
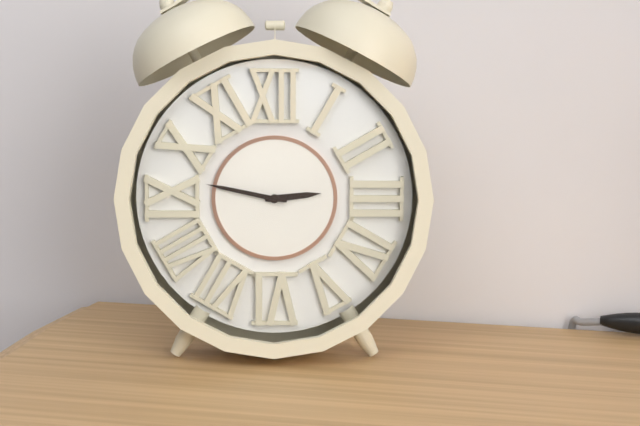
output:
2.47
